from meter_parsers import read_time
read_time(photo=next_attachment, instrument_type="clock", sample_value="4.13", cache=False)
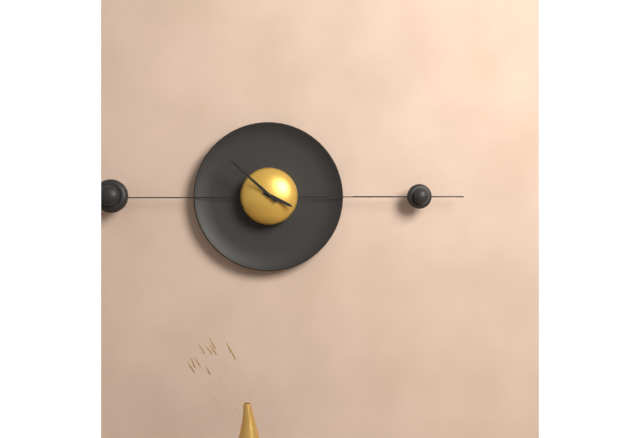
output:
3.52
